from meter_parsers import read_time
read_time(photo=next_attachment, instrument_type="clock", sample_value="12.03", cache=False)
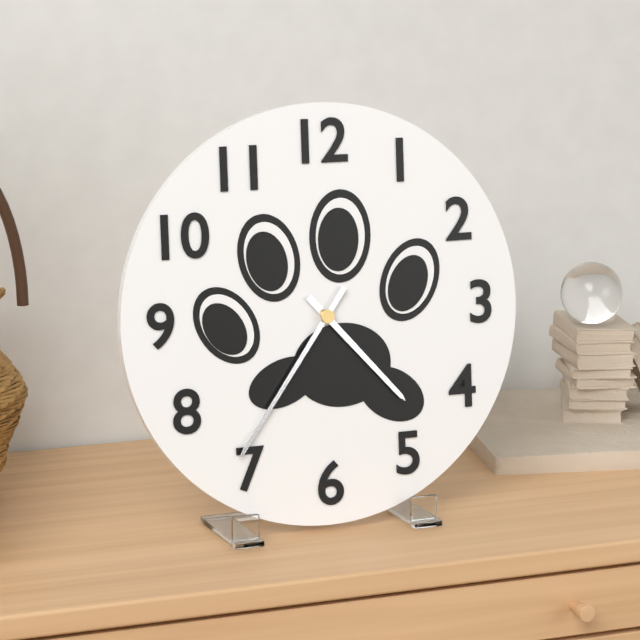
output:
4.36
